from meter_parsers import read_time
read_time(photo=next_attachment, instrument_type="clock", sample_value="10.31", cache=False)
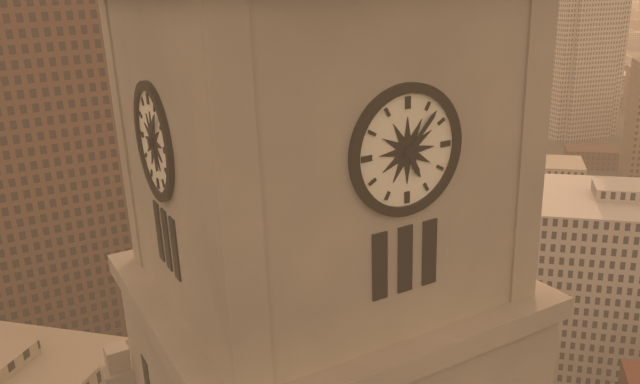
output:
5.07
